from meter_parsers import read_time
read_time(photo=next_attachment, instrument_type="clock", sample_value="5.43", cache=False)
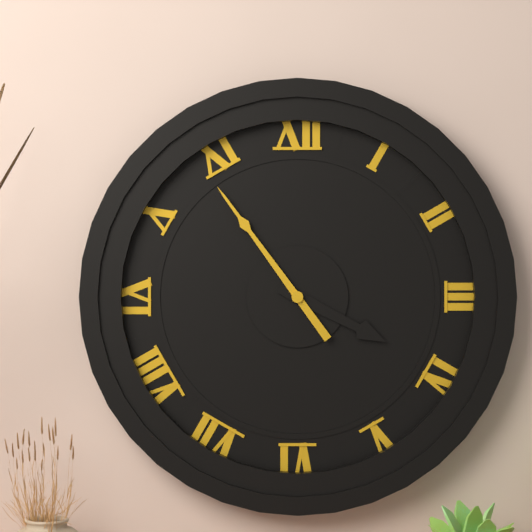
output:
3.54
